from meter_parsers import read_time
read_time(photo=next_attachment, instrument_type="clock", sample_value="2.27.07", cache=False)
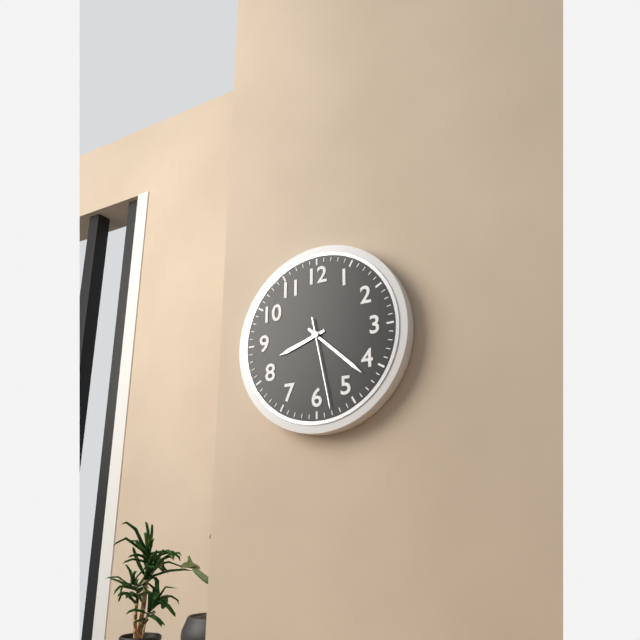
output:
8.22.28
